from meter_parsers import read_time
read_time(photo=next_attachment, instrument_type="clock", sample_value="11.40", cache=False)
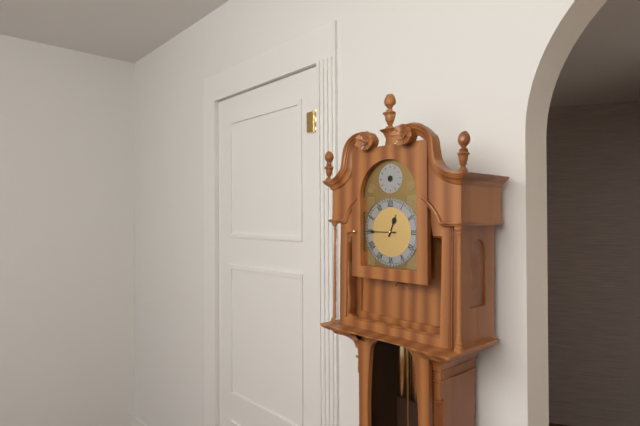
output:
12.45
